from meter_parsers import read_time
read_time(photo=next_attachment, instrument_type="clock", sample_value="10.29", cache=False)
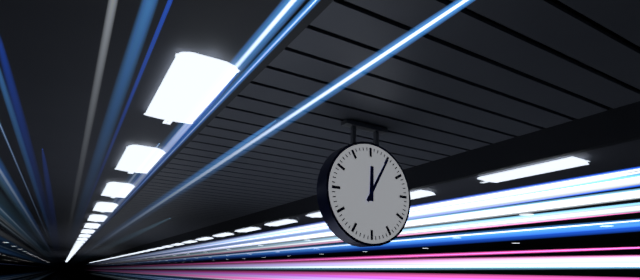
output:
12.05
